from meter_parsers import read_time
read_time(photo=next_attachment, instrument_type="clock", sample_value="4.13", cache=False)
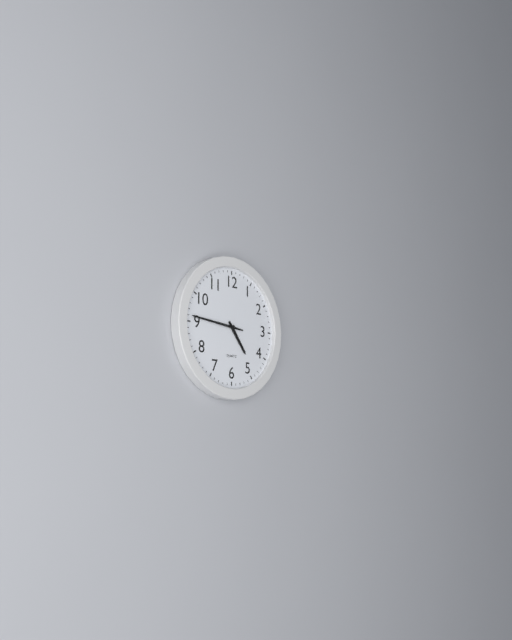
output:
4.46
